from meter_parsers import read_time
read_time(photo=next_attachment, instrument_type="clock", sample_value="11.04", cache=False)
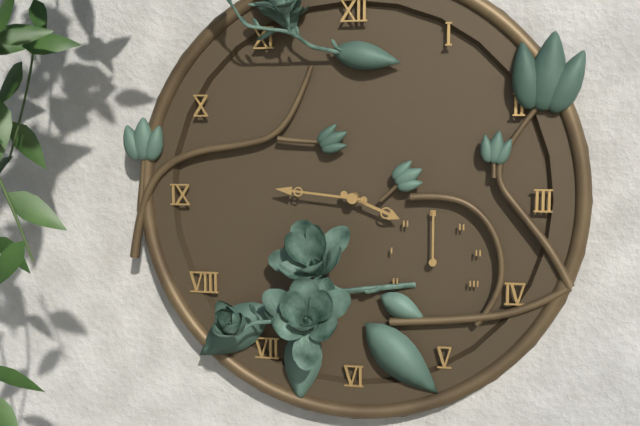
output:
3.46
